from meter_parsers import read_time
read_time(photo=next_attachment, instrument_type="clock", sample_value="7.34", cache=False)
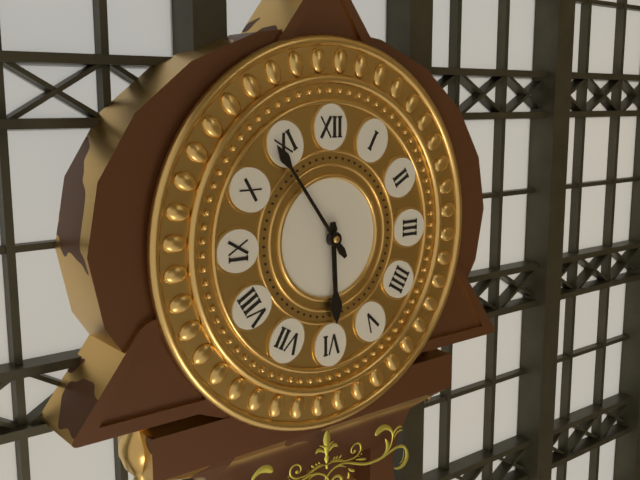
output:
5.54
